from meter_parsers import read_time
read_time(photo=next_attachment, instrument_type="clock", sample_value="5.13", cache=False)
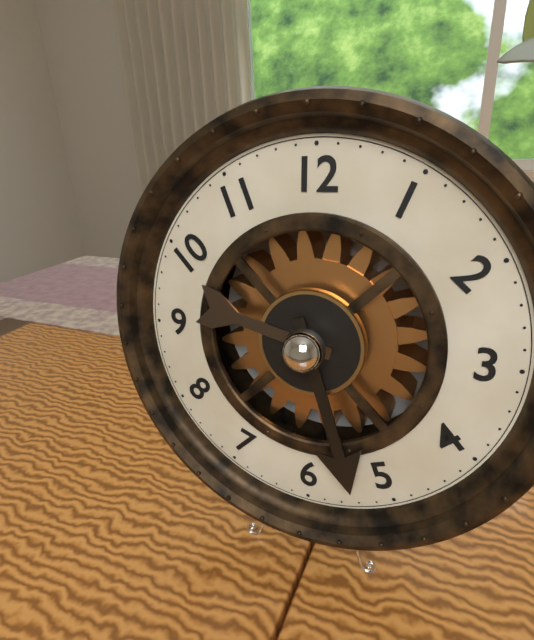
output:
9.27
